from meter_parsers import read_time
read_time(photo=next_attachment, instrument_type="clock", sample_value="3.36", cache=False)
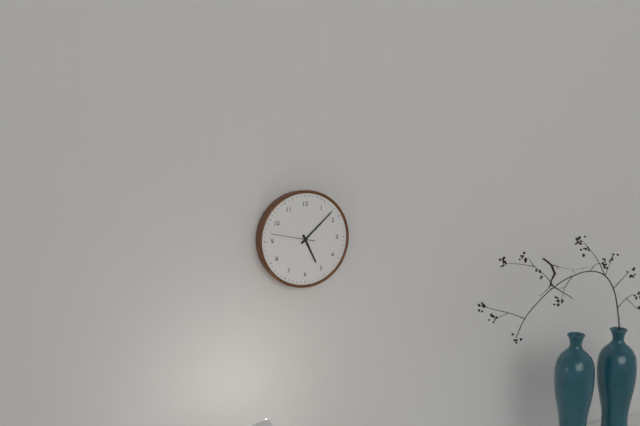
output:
5.08
